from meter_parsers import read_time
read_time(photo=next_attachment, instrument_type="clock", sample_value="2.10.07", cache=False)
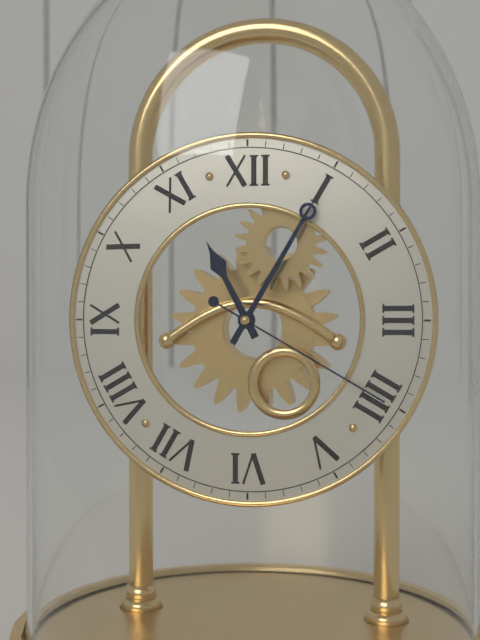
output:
11.05.20
